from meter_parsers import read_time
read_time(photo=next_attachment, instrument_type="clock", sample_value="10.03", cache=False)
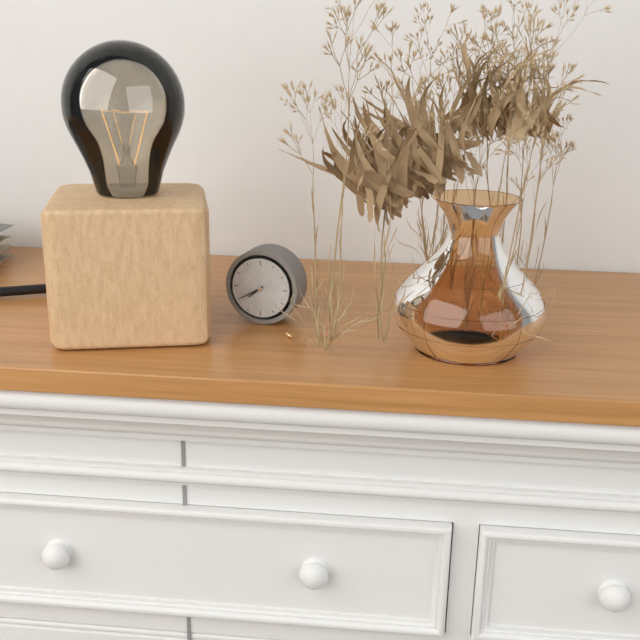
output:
7.40
